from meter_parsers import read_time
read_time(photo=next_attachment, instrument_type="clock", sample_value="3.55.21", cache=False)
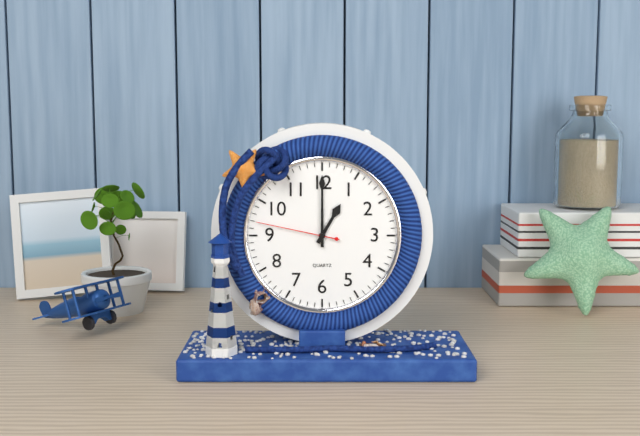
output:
1.00.47
